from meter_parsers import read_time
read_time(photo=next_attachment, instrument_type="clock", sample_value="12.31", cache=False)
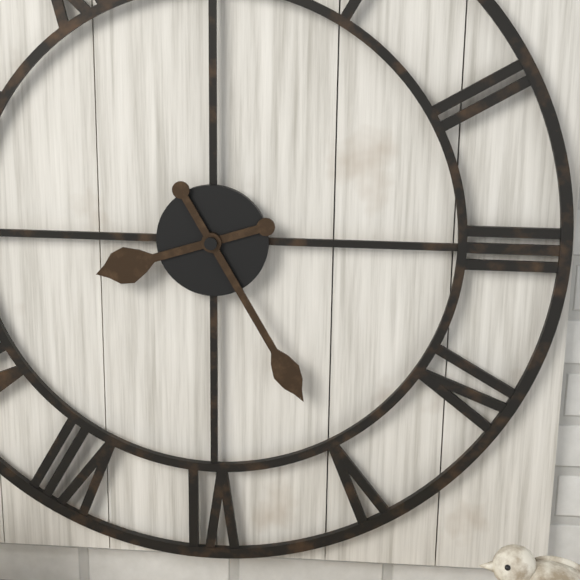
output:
8.25
